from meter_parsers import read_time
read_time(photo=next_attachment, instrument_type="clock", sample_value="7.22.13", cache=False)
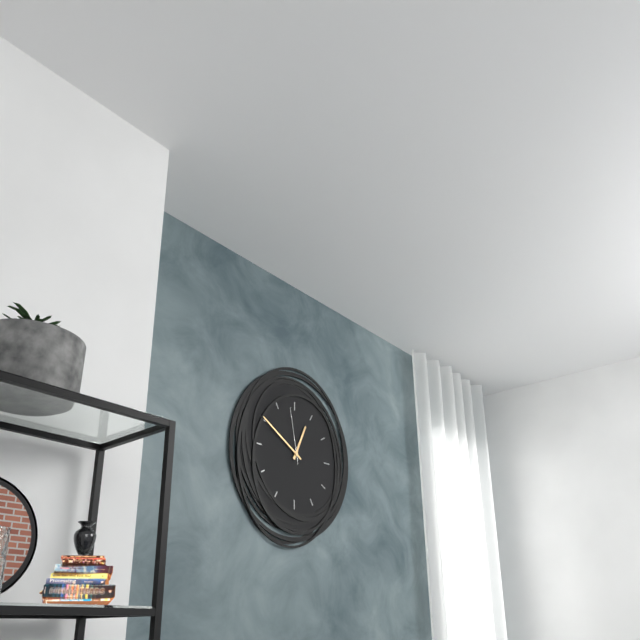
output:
12.50.58
